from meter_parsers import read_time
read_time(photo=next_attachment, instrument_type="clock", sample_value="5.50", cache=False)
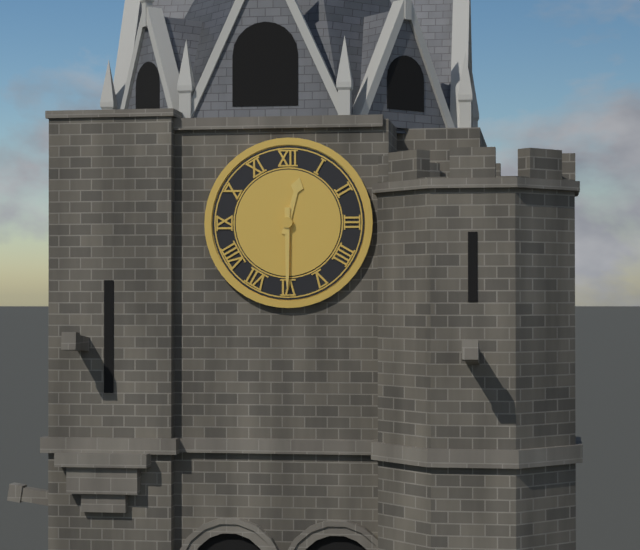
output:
12.30
